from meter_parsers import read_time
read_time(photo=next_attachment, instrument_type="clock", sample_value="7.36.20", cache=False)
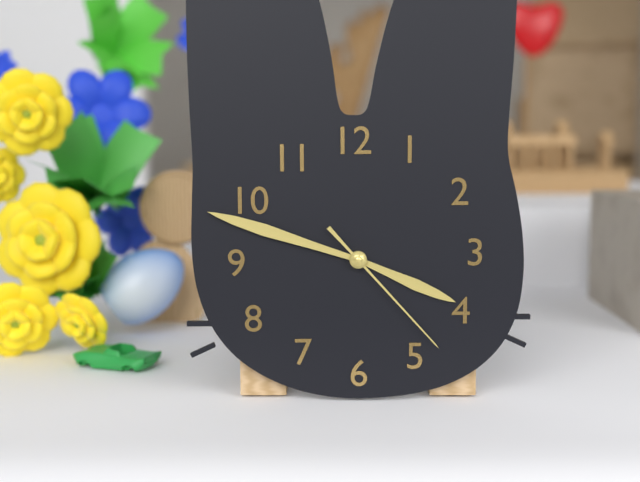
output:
3.48.23
